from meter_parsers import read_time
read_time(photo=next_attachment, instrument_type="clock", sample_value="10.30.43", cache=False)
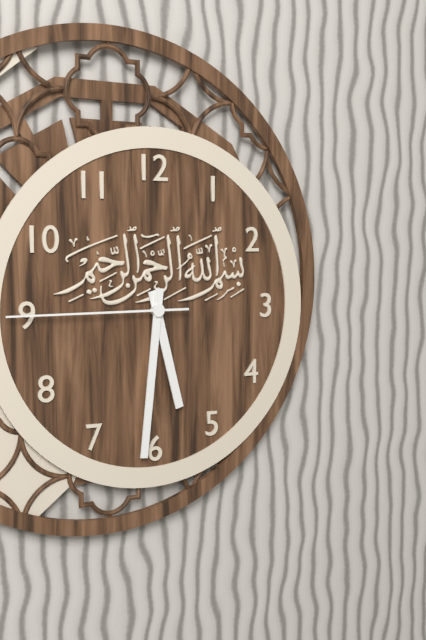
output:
5.31.45
